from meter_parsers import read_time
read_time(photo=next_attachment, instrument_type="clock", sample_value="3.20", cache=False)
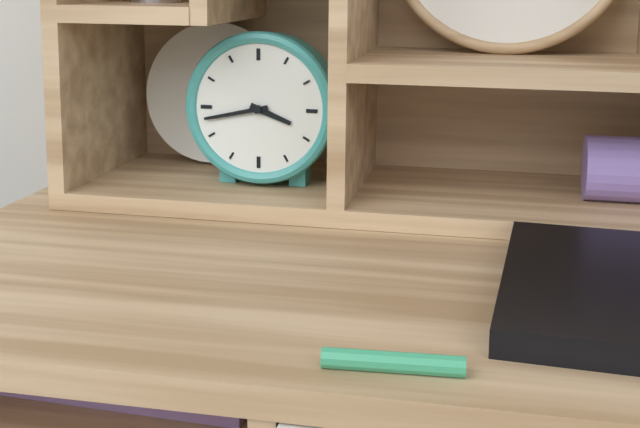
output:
3.43
